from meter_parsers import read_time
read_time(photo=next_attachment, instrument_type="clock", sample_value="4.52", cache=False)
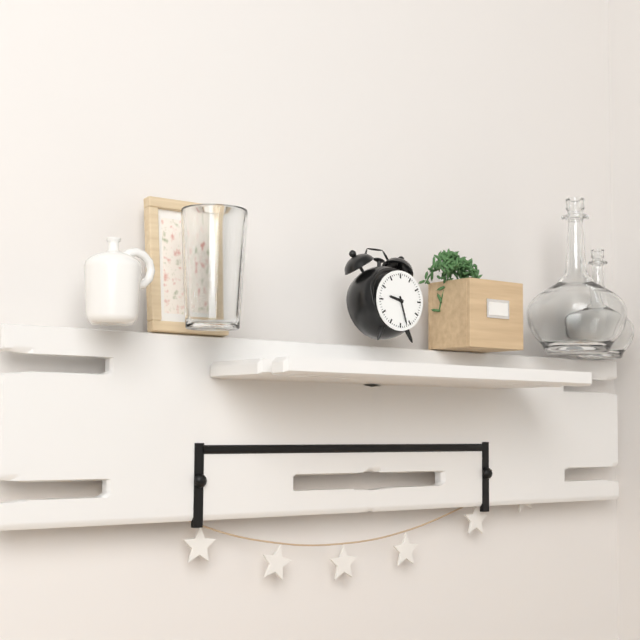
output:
9.27
